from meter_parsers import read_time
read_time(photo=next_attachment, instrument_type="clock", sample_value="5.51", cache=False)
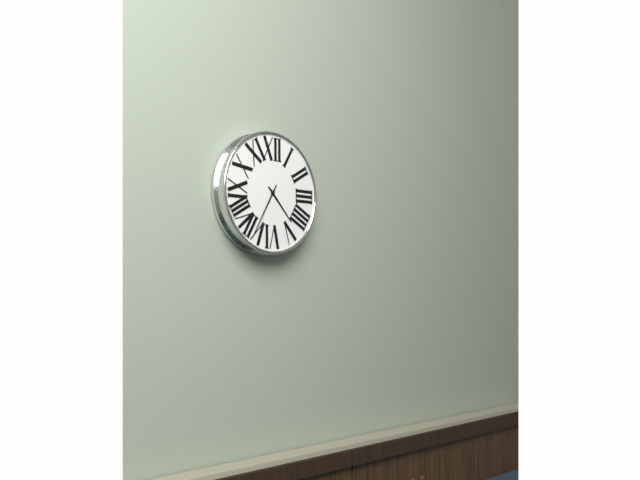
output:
4.35
